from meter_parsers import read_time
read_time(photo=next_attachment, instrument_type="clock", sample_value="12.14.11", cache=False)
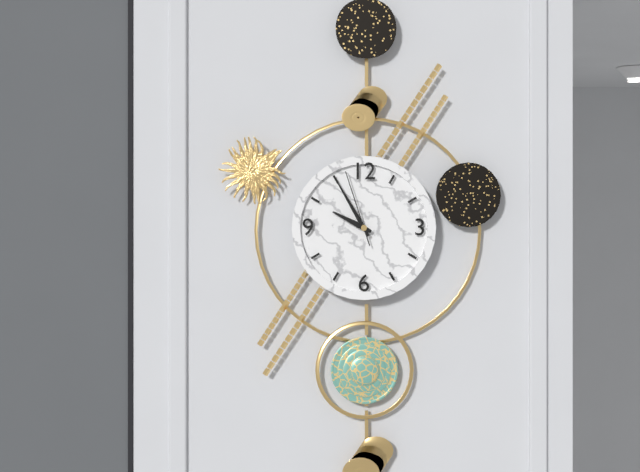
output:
9.55.57
